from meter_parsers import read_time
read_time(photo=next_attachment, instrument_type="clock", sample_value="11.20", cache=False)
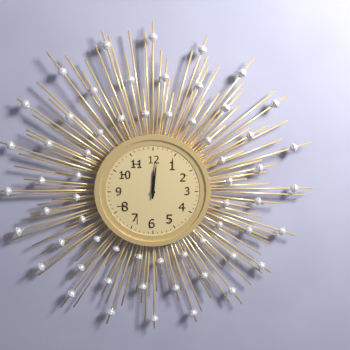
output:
12.01
